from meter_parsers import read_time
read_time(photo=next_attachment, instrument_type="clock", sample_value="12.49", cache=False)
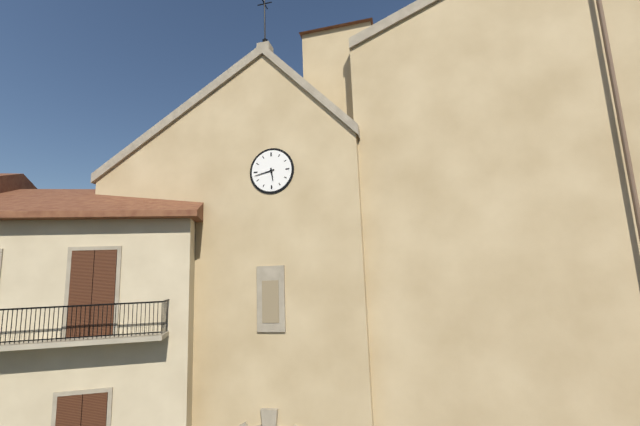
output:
5.43
